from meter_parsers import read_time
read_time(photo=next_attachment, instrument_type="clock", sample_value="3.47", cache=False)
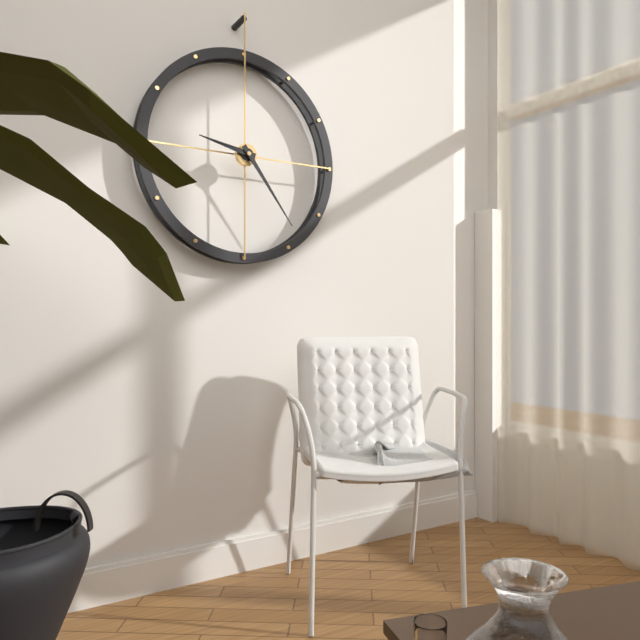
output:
9.24
